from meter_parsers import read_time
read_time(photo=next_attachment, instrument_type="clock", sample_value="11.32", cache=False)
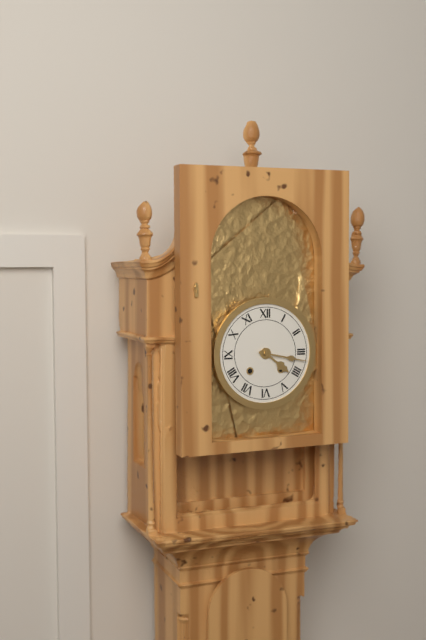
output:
4.17
